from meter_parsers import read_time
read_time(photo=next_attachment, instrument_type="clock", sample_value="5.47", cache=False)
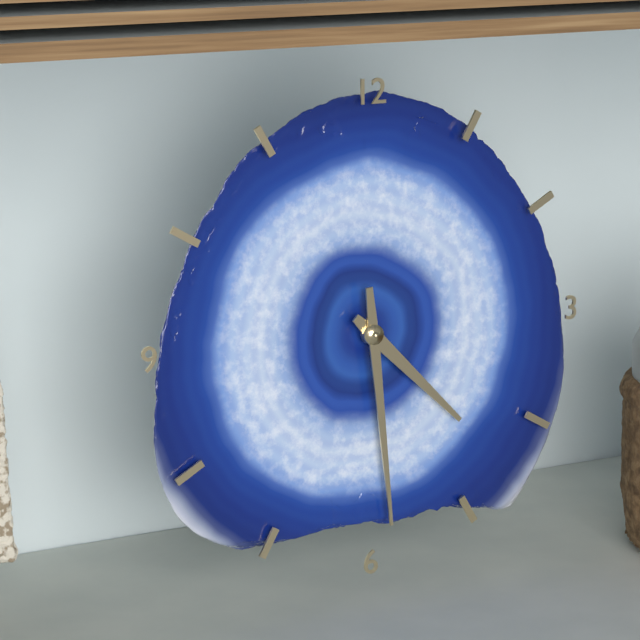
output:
4.29
